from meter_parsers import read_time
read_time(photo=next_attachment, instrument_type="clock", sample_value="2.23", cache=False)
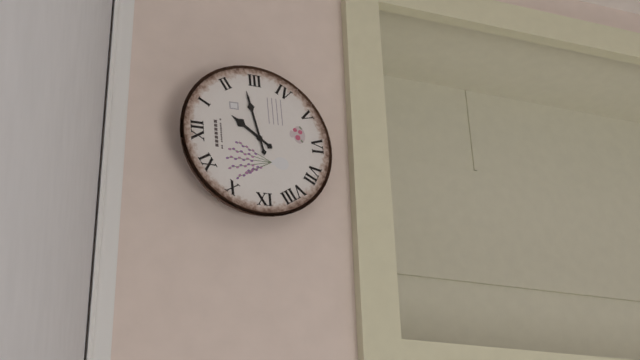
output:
1.13
